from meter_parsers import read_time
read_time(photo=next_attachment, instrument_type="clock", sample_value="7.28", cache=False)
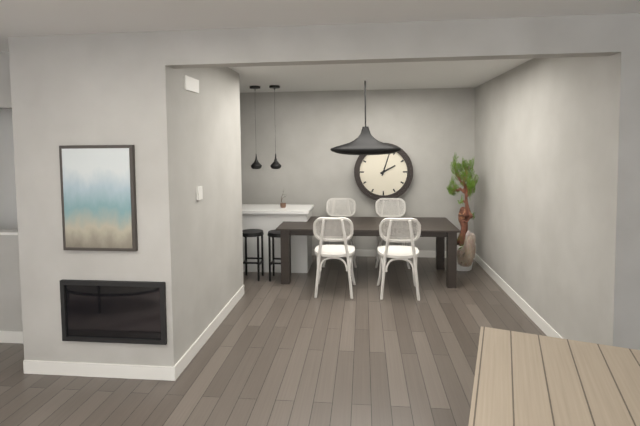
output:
2.03
